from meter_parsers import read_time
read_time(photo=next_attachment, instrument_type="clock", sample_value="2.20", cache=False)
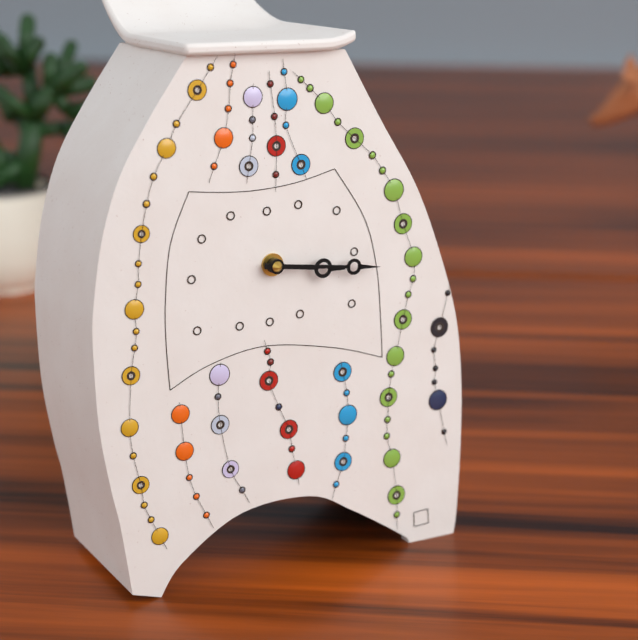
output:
3.16
